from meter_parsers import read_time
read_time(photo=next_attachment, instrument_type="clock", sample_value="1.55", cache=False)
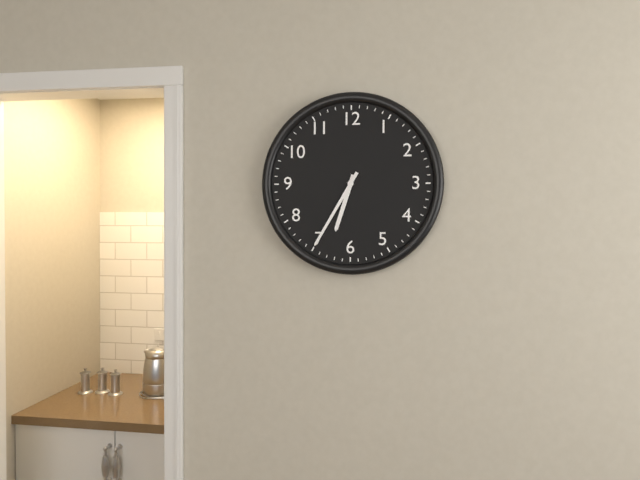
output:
6.35
